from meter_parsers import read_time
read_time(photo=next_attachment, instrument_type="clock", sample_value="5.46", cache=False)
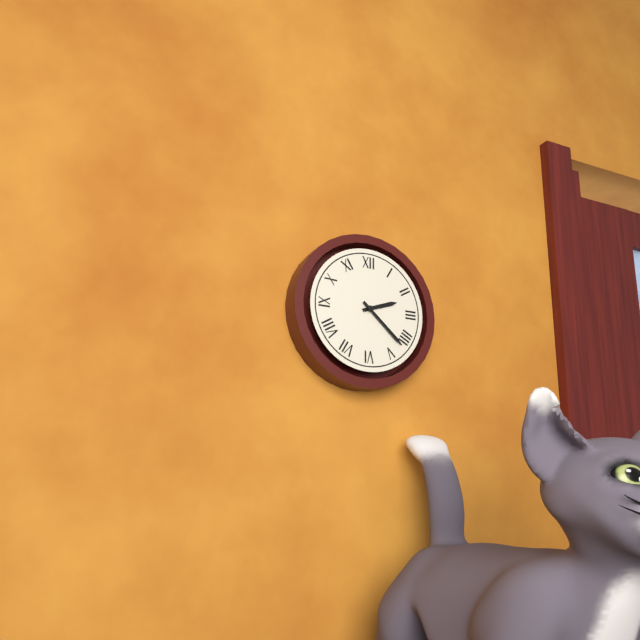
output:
2.22
